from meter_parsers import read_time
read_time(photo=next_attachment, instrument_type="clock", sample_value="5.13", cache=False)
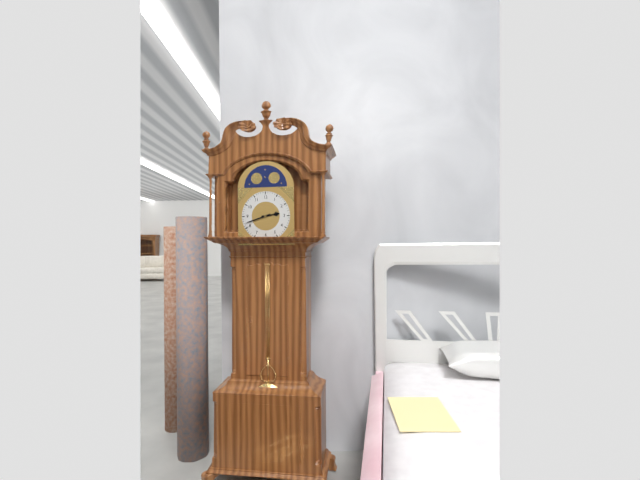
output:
2.42
